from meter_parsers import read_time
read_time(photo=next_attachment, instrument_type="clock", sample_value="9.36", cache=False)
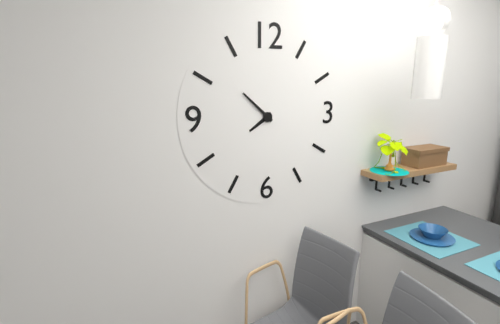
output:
7.52
